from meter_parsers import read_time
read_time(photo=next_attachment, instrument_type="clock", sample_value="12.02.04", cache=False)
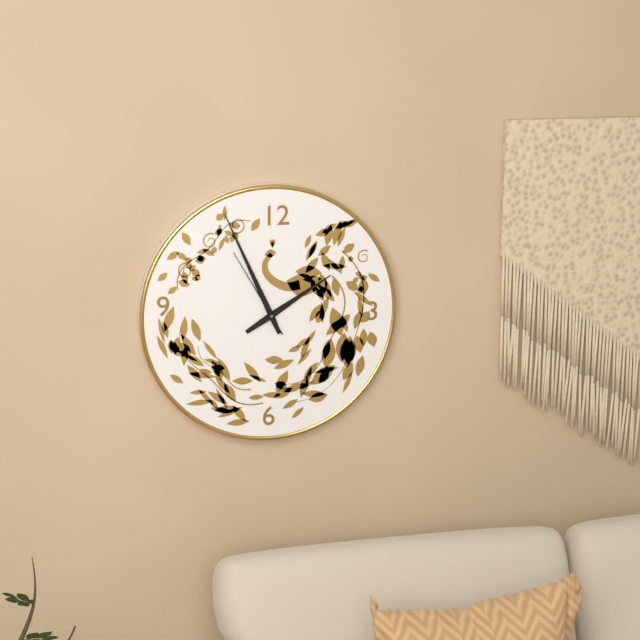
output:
1.56.55
